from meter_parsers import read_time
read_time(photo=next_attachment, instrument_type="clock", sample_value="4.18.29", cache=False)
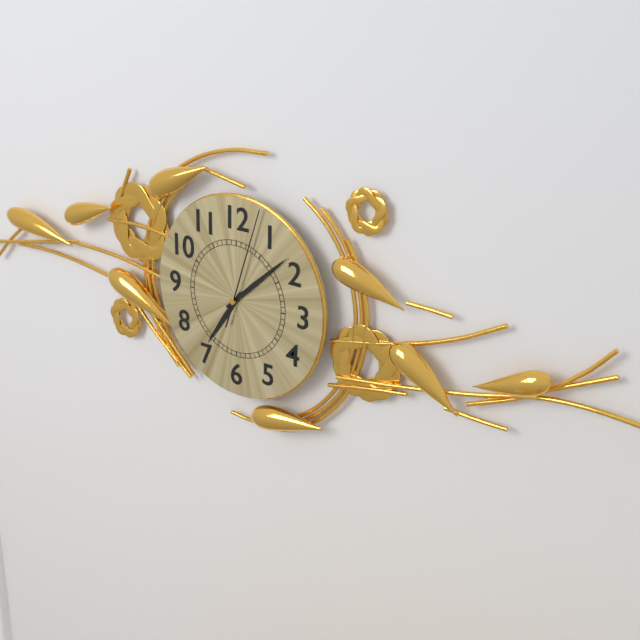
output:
7.08.03
